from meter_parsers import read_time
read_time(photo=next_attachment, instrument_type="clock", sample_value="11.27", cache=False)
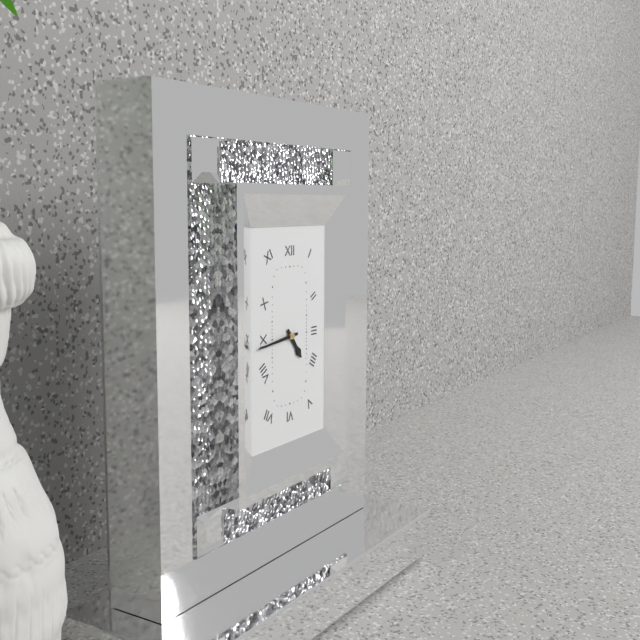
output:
4.44
